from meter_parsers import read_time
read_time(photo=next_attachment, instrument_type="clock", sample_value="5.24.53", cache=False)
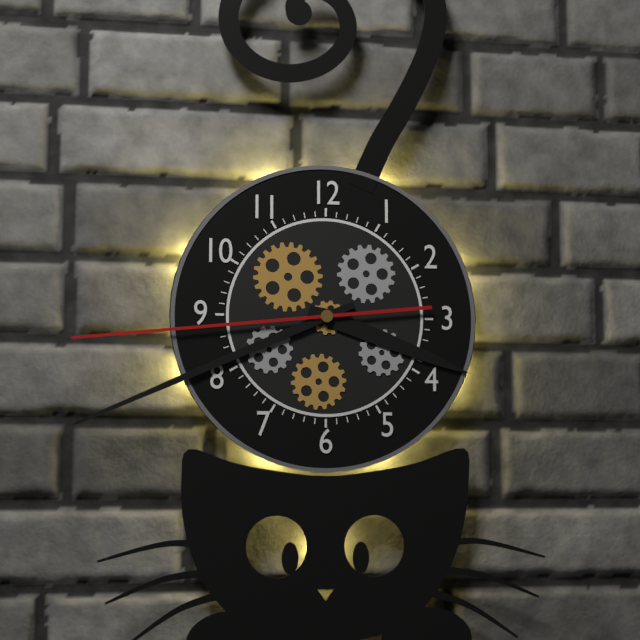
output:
3.41.44
